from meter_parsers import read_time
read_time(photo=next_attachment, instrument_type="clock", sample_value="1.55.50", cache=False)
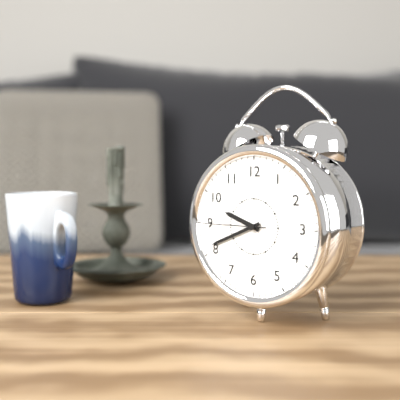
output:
9.41.45
